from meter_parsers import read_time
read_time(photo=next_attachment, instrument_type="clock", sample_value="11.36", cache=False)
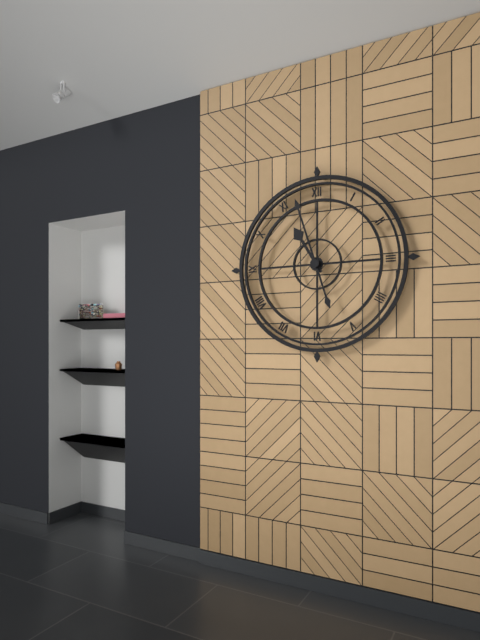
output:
10.57
